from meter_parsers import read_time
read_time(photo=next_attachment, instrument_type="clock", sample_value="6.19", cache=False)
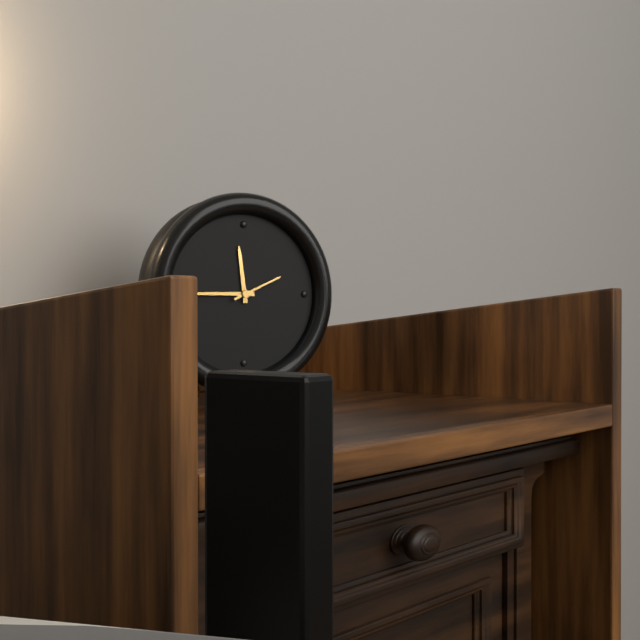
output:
11.45
